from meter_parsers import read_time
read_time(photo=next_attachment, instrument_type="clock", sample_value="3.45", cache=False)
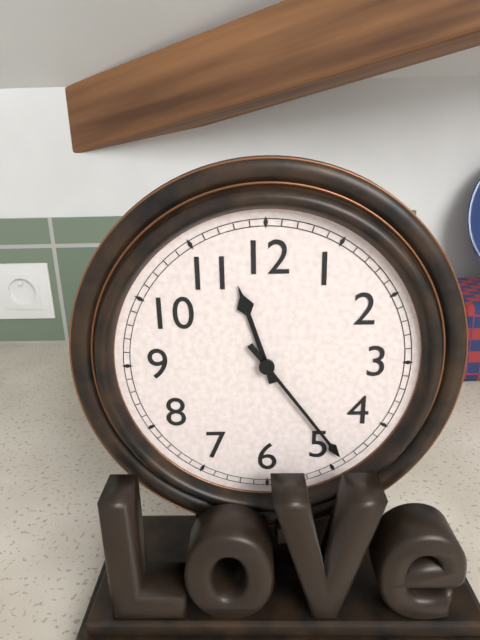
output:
11.24
